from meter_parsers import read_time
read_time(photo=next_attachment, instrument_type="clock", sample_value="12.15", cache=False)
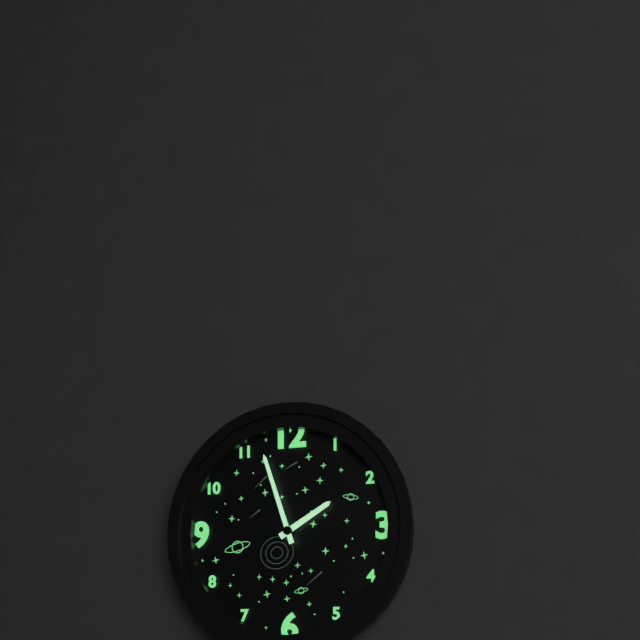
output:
1.57
